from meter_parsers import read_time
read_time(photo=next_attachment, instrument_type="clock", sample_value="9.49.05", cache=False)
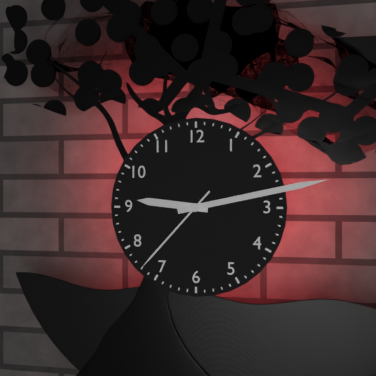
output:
9.13.37
